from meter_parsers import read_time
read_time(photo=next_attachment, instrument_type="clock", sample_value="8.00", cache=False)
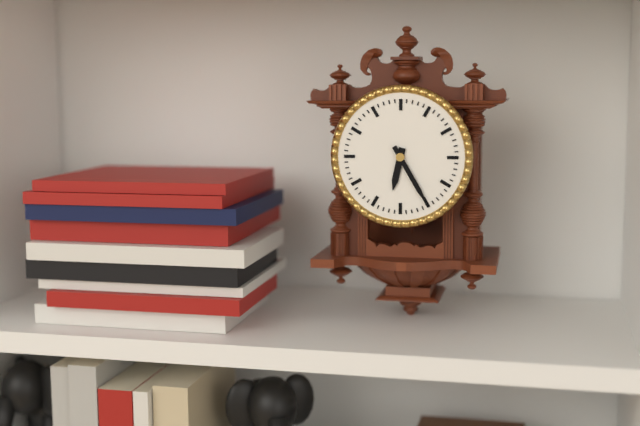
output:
6.25
